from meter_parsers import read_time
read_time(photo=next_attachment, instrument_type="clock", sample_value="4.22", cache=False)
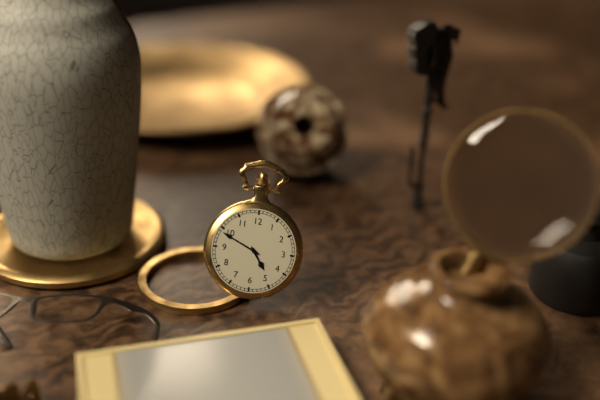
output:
4.49
